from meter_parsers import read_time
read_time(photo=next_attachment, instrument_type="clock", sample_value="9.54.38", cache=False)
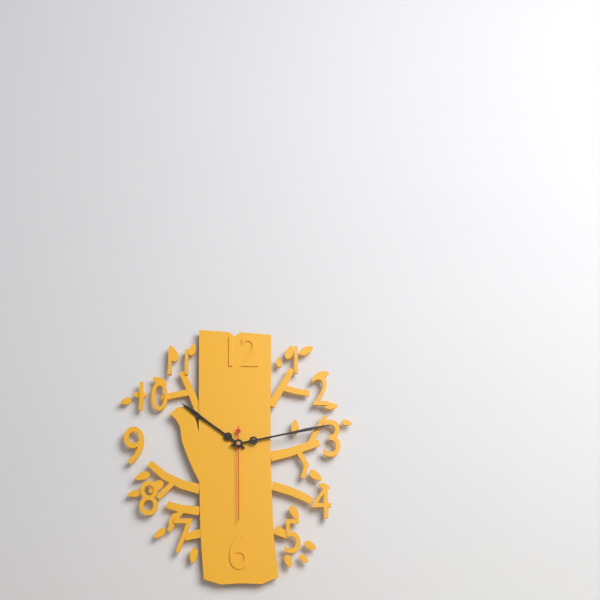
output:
10.13.30
